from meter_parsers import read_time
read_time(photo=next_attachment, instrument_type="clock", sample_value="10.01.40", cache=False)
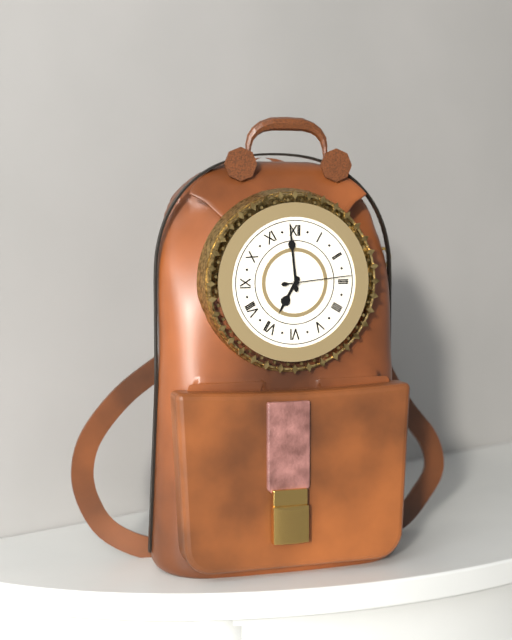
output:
6.59.14
